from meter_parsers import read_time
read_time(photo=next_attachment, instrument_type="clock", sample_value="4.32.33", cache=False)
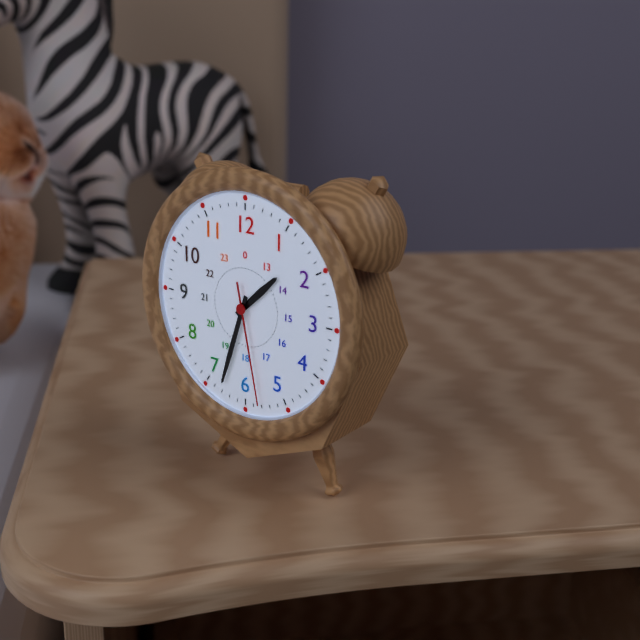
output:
1.33.28
